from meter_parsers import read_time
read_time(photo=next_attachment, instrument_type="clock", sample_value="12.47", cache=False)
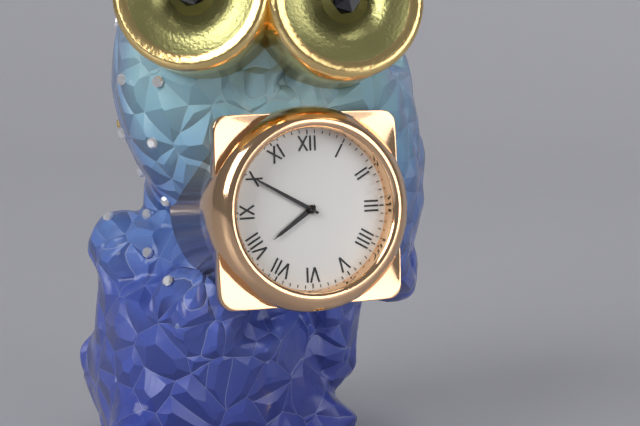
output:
7.50
